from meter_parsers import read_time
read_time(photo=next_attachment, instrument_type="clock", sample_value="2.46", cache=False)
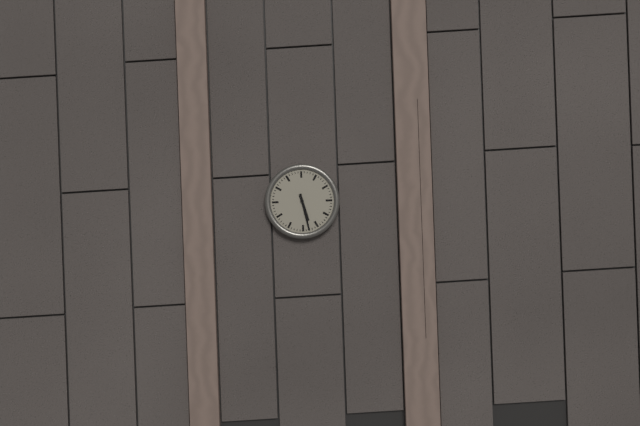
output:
5.28
